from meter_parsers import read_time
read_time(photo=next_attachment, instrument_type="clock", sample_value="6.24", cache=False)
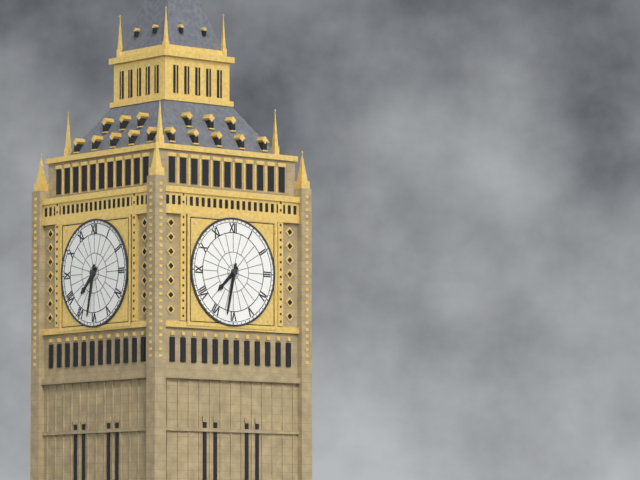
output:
7.32
